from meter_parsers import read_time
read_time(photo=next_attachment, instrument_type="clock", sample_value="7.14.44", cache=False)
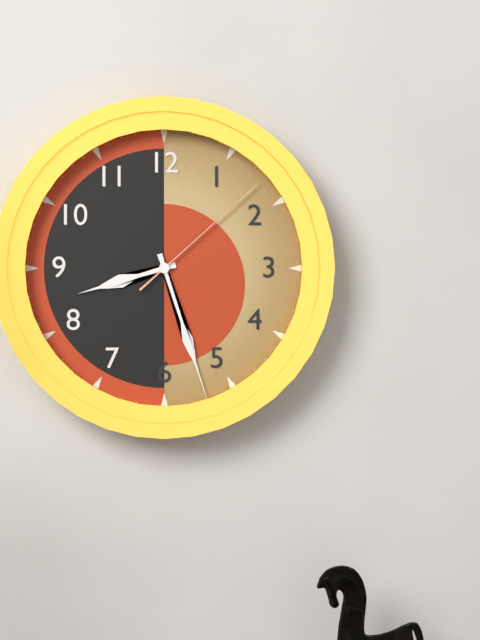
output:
8.27.08
